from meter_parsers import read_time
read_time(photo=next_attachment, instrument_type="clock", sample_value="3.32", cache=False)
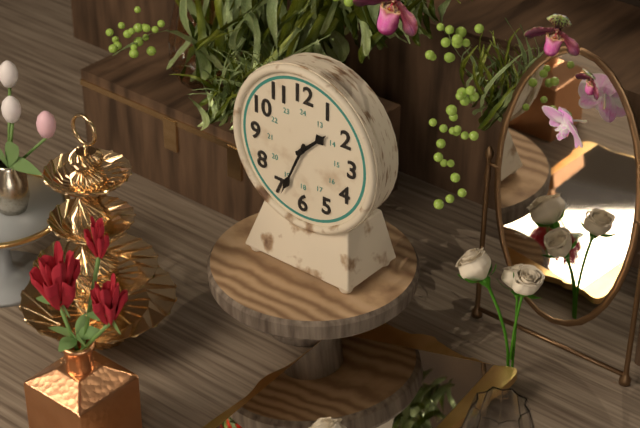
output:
1.34
